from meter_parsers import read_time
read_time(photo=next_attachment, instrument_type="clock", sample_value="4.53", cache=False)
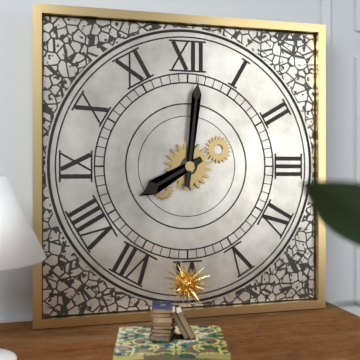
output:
8.01
